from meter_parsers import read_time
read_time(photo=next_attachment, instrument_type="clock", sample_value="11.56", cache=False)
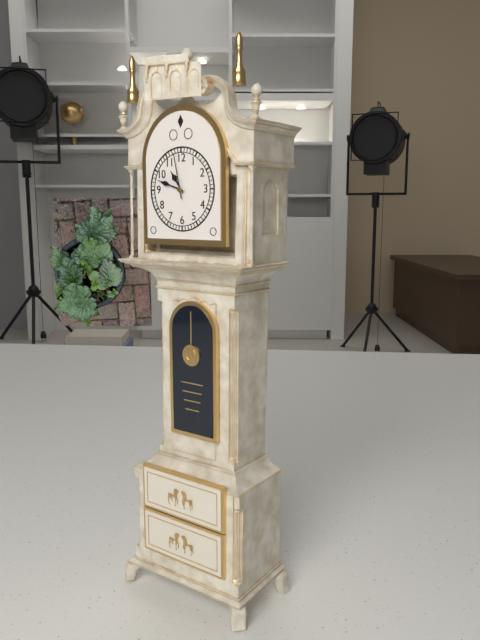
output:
10.48
